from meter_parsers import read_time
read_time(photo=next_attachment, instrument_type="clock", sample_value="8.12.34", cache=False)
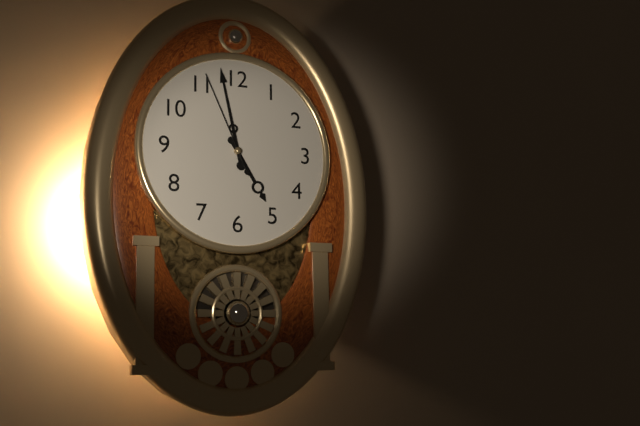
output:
4.58.56
